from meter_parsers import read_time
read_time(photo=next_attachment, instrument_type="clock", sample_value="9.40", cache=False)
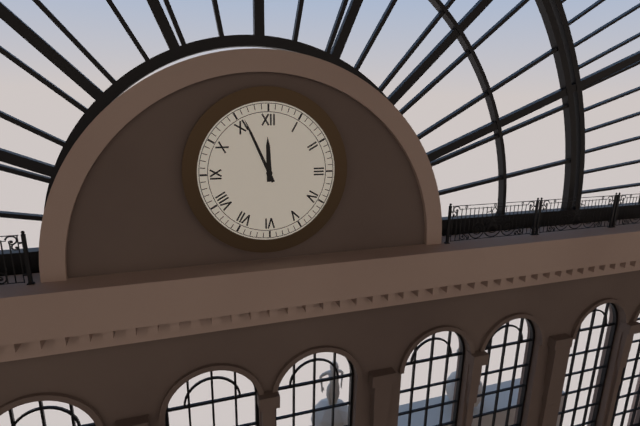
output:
11.56
